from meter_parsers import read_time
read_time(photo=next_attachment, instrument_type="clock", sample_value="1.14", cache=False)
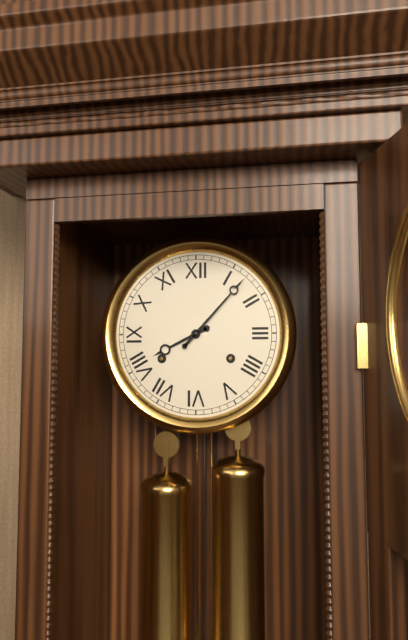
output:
8.07
